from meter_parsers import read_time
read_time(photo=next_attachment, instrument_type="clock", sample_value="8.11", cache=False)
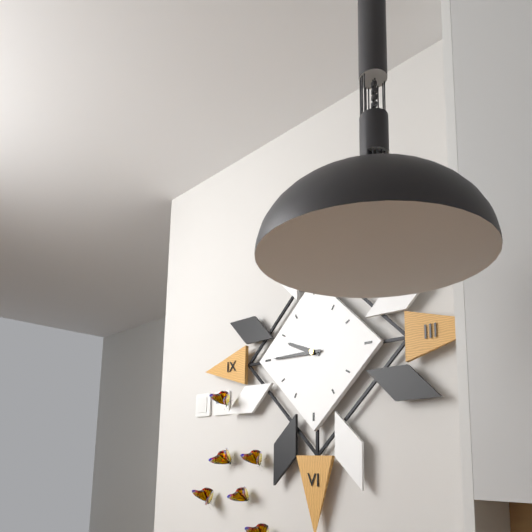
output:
9.45
